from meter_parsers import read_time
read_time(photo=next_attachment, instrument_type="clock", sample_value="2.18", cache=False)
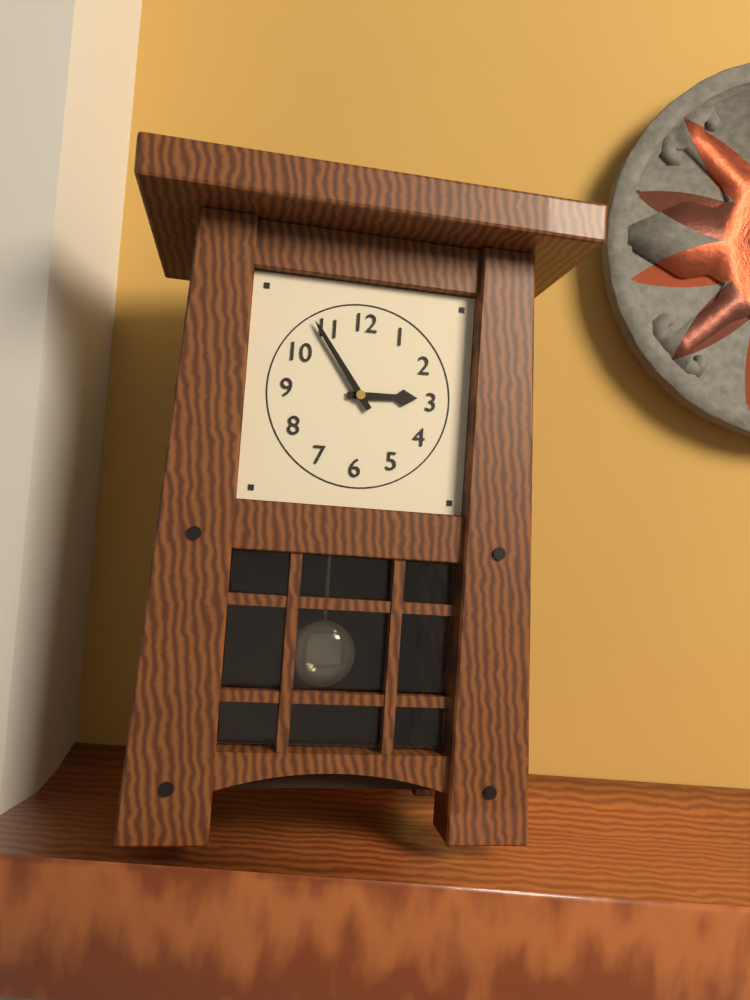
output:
2.54
